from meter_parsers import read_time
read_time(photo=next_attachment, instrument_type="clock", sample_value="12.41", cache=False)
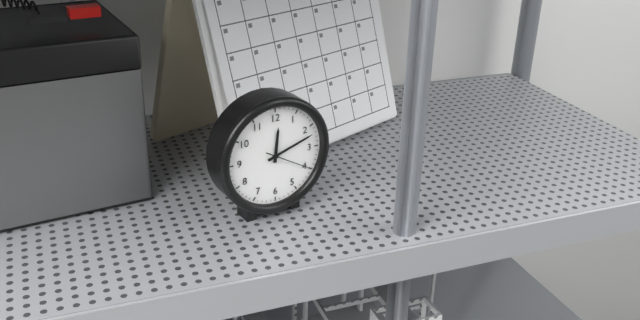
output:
12.12
